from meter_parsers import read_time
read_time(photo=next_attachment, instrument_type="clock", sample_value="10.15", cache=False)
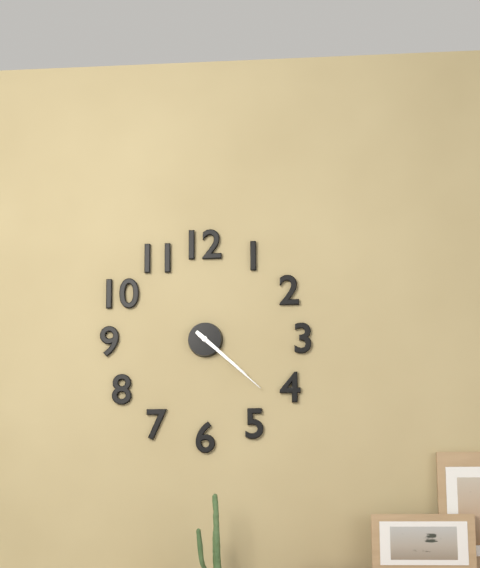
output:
4.22
